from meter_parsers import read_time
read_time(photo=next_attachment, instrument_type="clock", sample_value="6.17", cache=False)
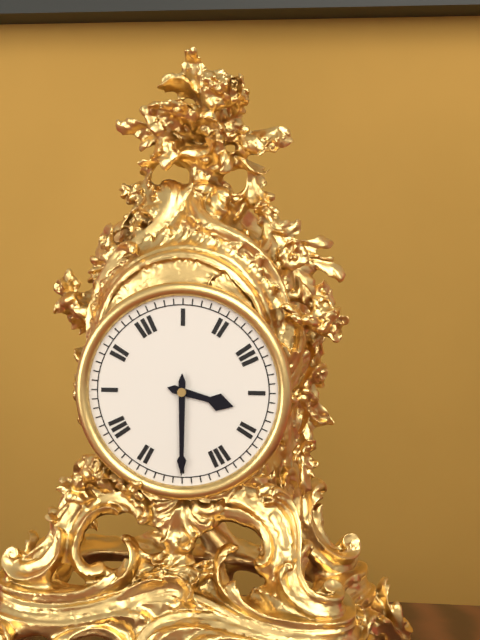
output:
3.30
